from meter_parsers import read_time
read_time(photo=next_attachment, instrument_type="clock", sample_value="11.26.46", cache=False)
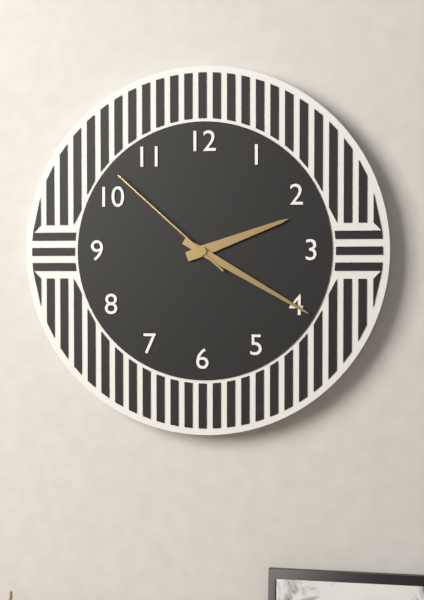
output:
2.20.52
